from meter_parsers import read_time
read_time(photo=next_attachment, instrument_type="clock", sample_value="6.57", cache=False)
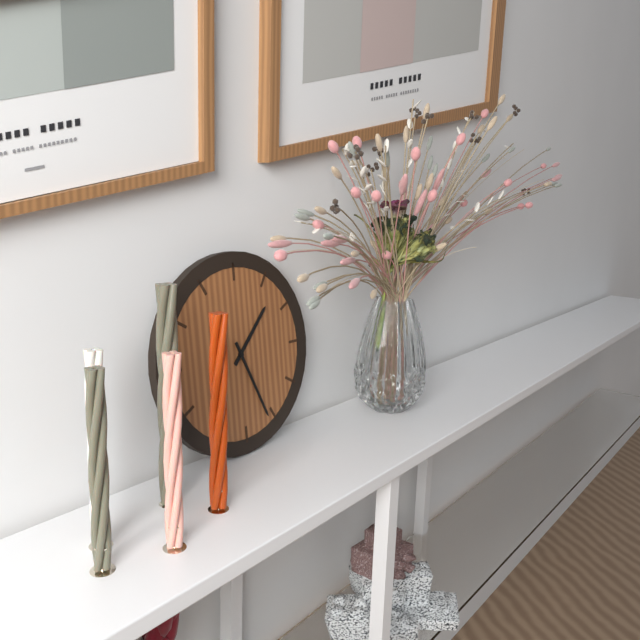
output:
1.26
